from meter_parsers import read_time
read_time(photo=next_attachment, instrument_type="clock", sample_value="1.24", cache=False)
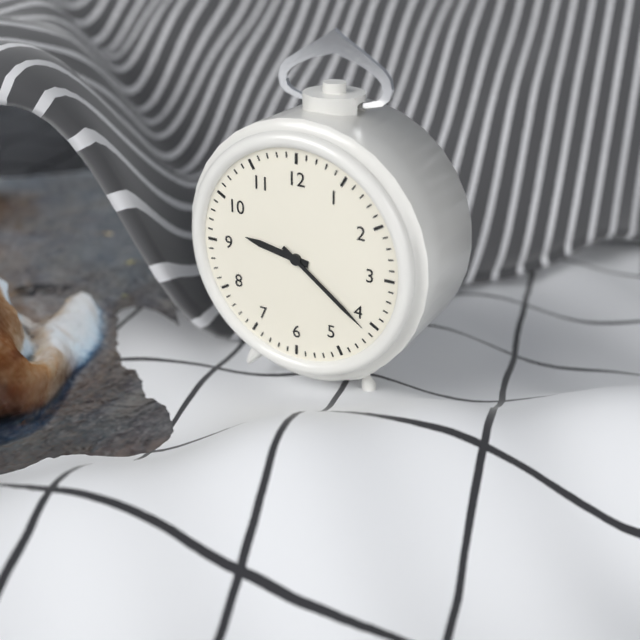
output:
9.21
